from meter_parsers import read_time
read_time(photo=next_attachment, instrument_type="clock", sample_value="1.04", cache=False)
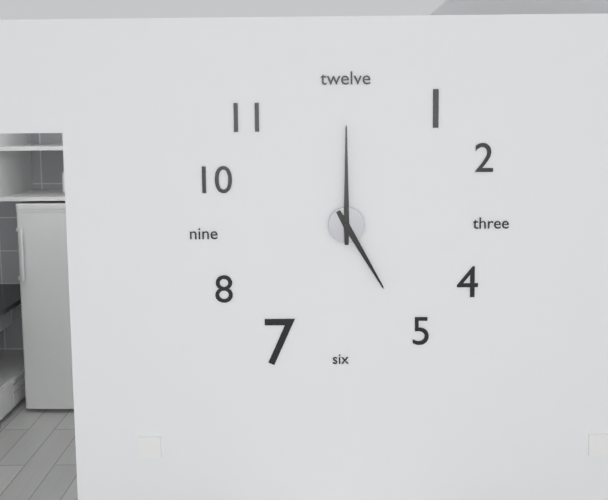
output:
5.00
